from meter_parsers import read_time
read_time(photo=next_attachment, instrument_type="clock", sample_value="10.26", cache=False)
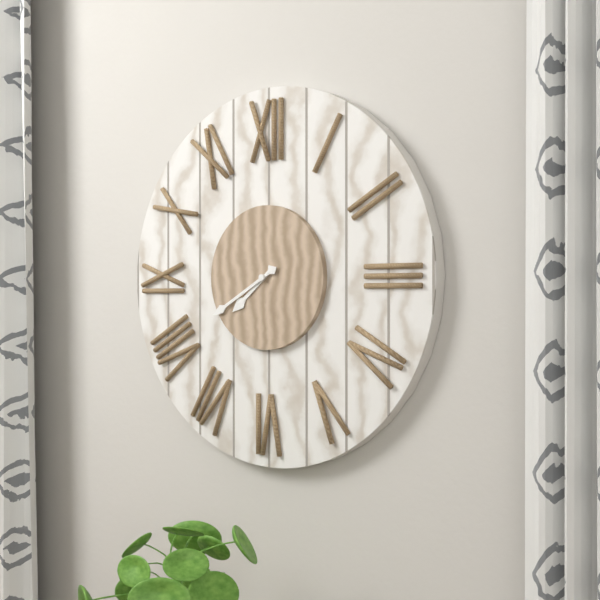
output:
7.40
